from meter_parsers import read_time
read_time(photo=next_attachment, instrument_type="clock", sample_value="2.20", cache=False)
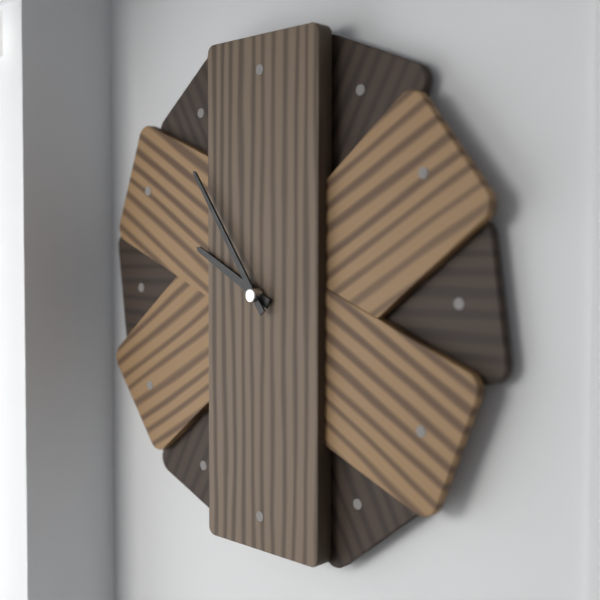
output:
9.54
